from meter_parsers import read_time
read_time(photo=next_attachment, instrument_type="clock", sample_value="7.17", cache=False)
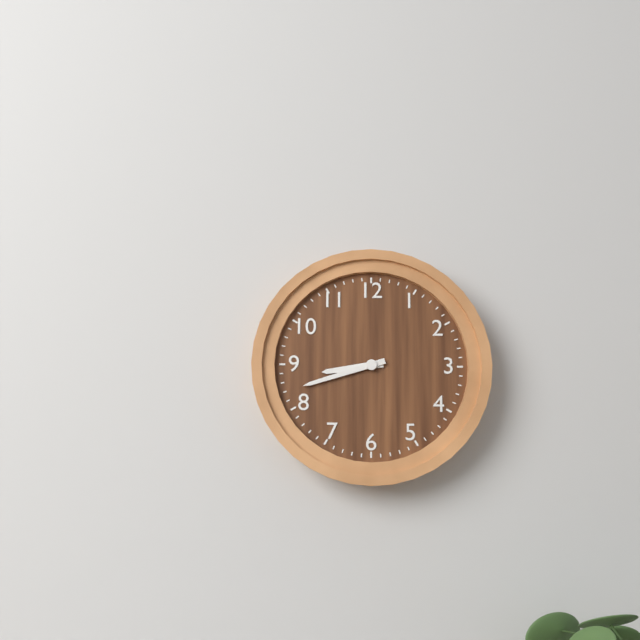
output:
8.42
